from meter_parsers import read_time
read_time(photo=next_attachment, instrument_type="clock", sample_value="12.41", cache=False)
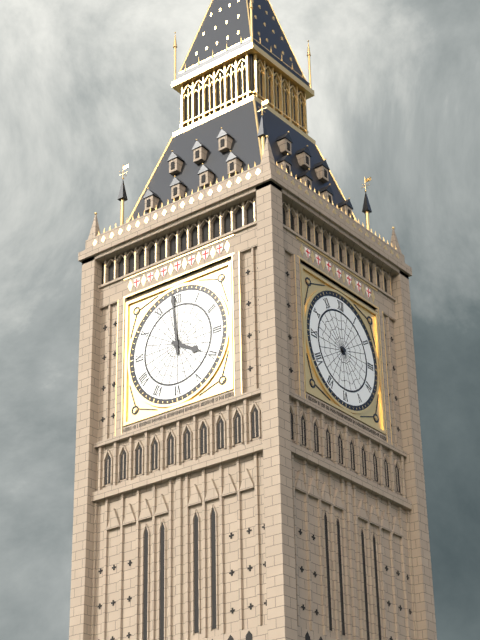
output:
3.59
